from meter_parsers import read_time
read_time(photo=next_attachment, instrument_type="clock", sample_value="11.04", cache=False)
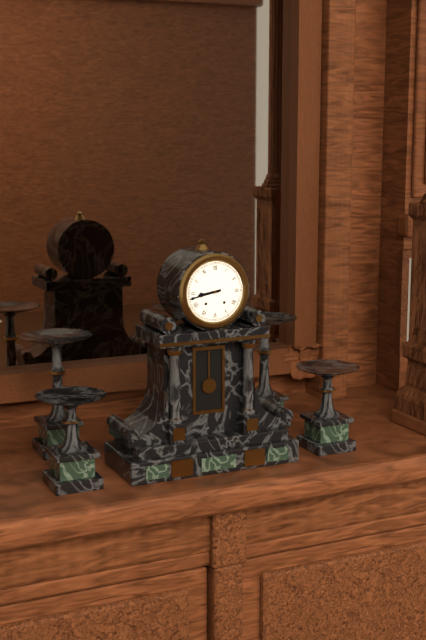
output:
8.43
